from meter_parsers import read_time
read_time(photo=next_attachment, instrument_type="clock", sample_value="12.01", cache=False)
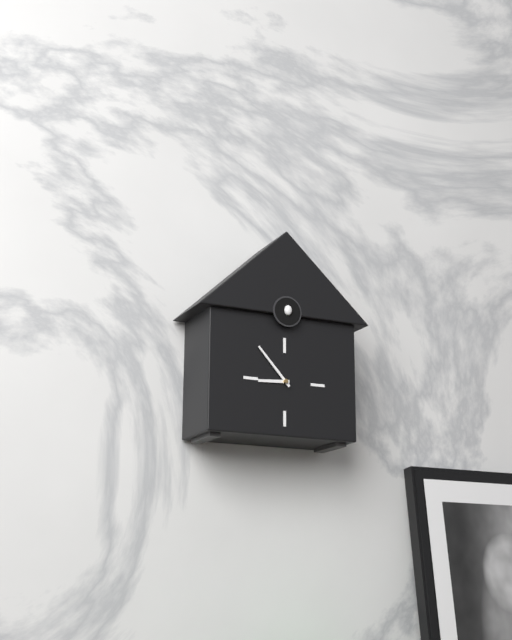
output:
8.53
